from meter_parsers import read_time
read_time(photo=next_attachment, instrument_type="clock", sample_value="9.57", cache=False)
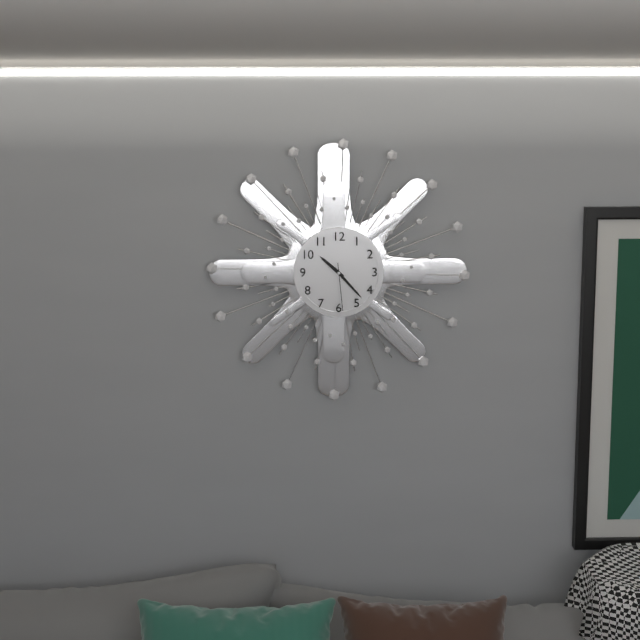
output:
10.23
